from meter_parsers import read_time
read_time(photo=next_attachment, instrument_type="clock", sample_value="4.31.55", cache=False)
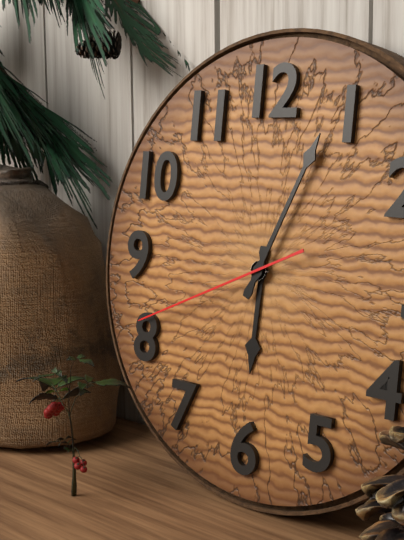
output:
6.04.41
